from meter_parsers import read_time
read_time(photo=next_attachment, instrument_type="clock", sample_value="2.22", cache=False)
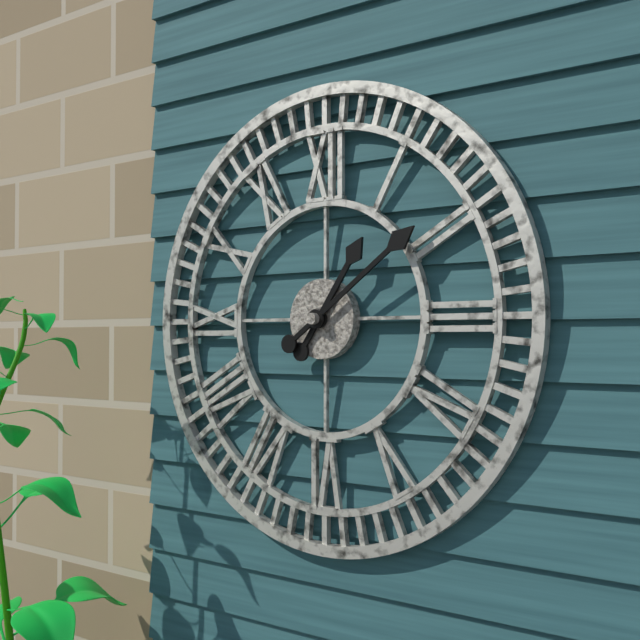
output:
1.09
